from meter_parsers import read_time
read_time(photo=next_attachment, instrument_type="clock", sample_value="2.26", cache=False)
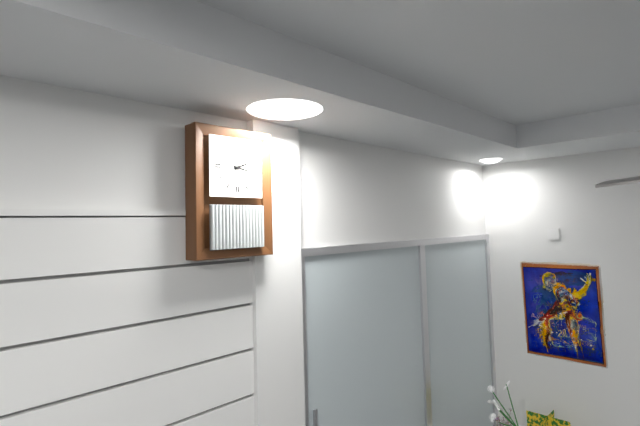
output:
2.17
